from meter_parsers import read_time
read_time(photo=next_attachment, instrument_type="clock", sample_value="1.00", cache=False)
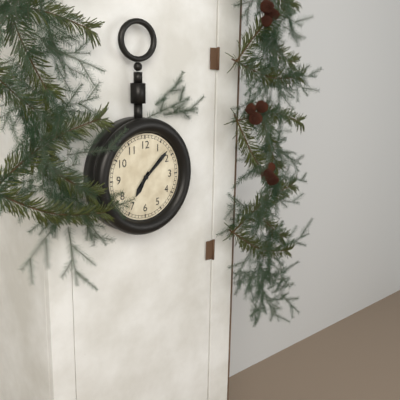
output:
7.08
